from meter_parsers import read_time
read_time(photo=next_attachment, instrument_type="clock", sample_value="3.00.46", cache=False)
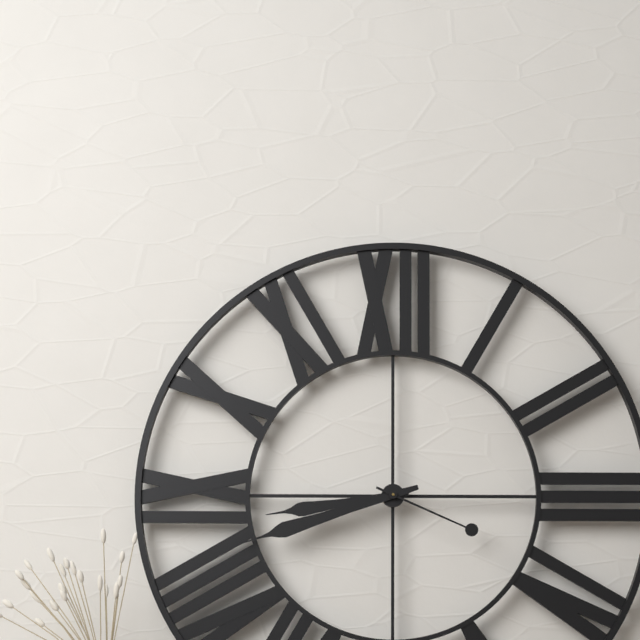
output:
8.42.19
